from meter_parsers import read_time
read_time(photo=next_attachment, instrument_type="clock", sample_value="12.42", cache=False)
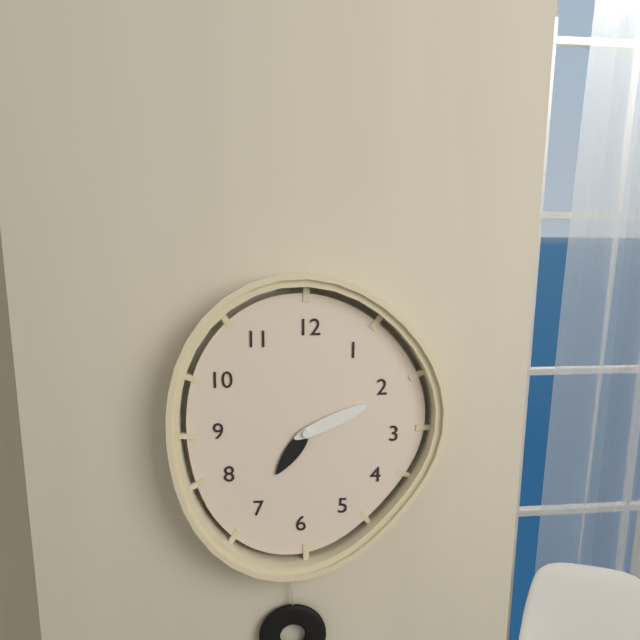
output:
7.11
